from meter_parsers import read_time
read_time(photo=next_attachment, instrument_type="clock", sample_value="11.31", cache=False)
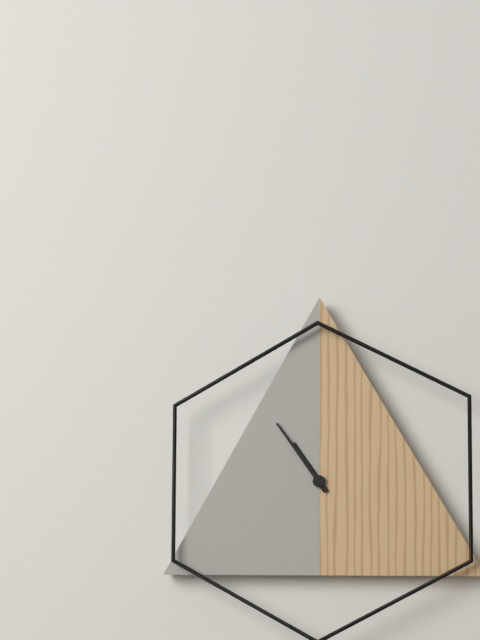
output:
10.54
